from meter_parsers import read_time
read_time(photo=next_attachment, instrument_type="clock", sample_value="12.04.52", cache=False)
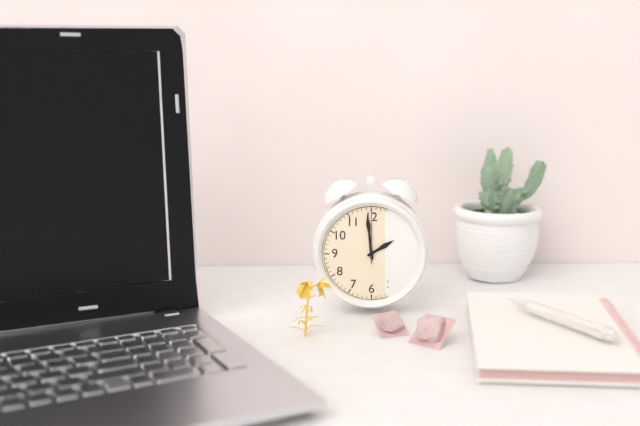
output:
1.59.00
